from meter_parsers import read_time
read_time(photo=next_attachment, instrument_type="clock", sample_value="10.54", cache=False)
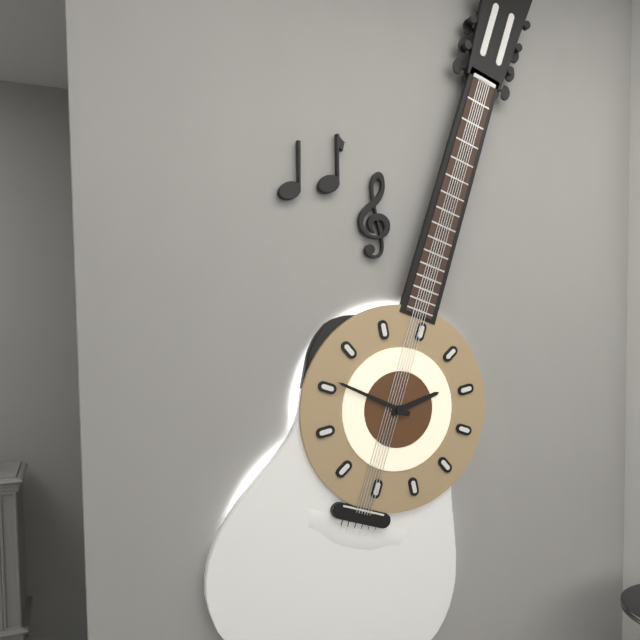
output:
1.46
